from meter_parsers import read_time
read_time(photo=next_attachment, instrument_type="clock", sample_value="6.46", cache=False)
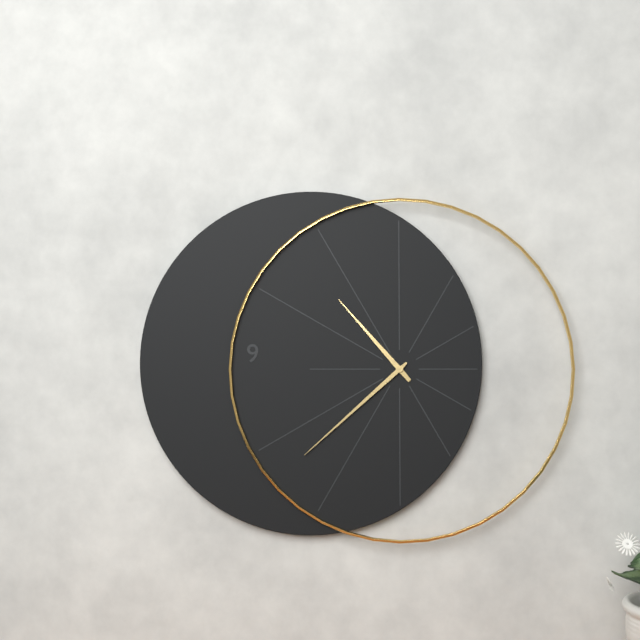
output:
10.38
